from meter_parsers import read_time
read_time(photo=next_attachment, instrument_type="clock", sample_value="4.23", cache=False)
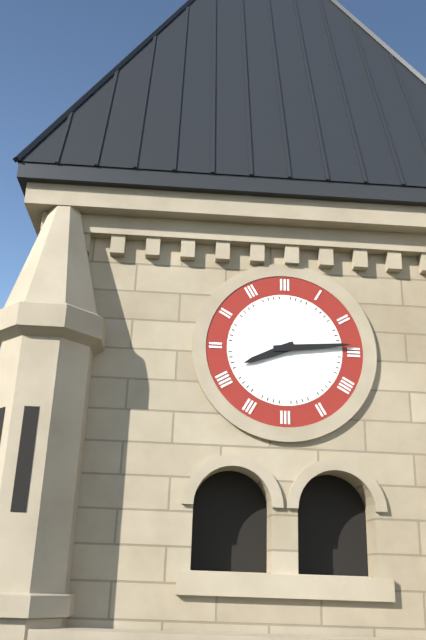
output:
8.14
